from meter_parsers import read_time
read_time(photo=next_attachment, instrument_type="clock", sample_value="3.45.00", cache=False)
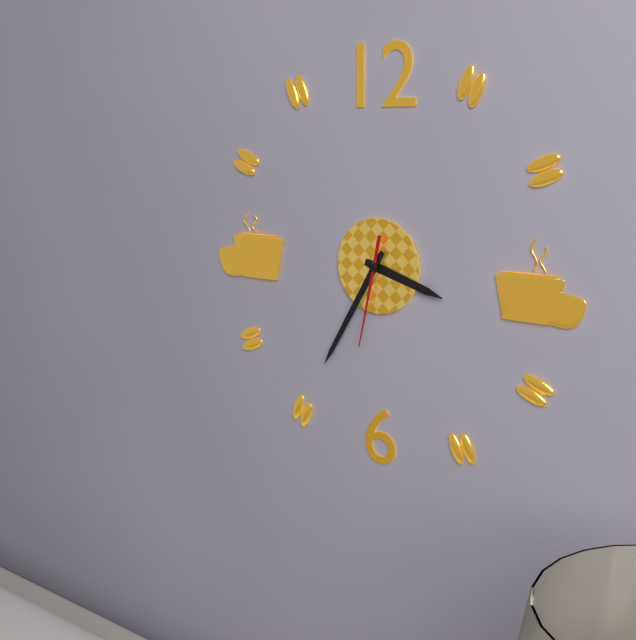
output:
3.35.32
